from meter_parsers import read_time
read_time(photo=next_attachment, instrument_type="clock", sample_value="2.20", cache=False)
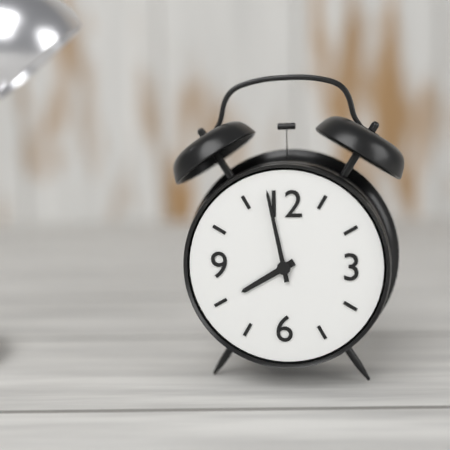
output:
7.58
